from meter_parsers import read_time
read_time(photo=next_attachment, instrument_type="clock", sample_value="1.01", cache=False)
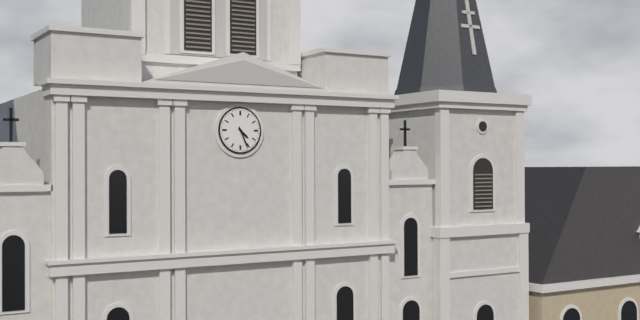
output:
4.26
